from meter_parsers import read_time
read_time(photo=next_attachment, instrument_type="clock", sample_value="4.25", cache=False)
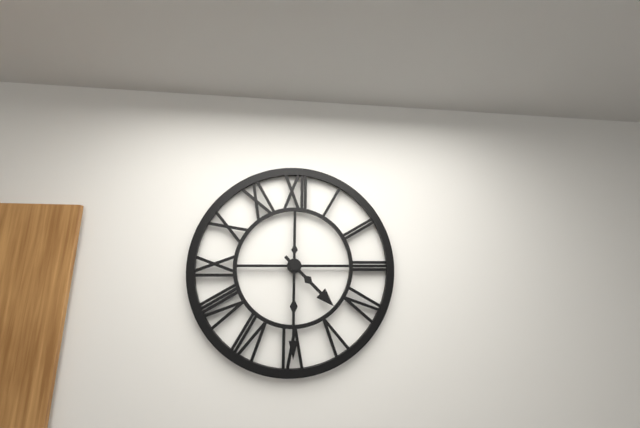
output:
4.30
